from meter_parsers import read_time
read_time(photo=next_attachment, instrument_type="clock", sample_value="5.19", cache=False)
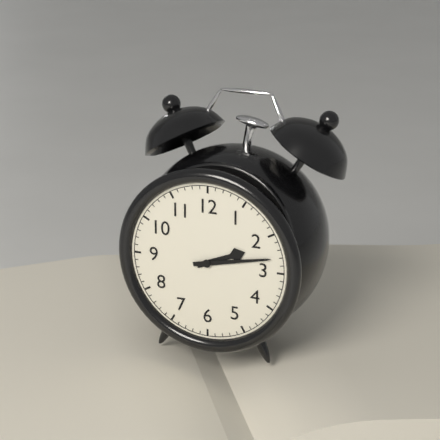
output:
2.13
